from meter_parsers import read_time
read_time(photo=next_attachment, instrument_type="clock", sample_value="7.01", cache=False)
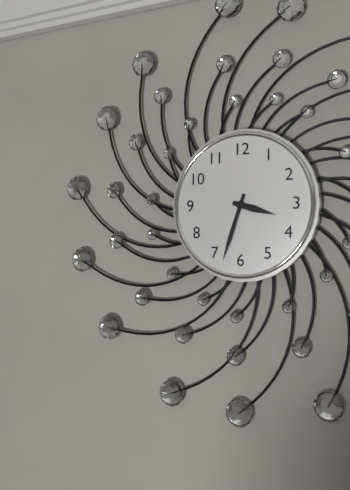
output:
3.33
